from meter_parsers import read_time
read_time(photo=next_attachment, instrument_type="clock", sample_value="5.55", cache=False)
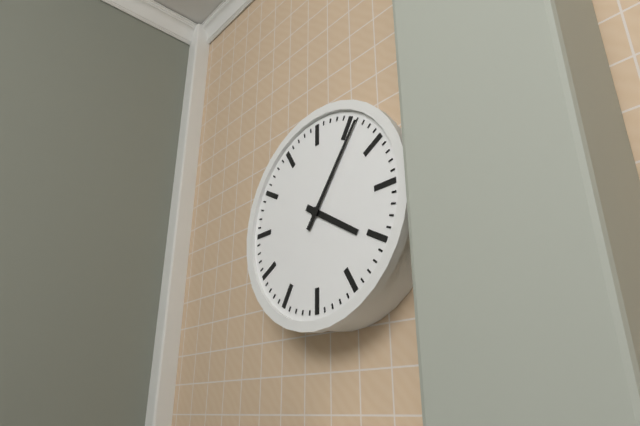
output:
4.06
